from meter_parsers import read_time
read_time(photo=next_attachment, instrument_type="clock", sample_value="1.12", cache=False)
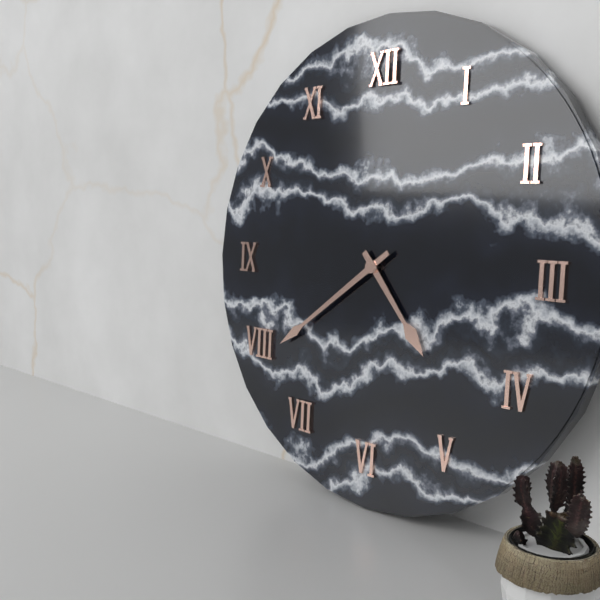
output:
4.39
